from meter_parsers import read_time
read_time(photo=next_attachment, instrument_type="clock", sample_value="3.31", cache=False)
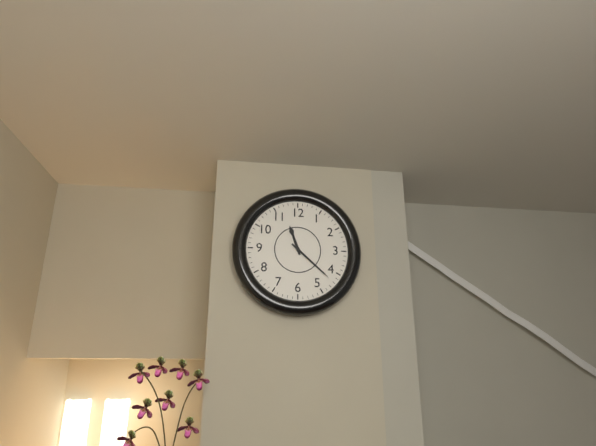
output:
11.22
